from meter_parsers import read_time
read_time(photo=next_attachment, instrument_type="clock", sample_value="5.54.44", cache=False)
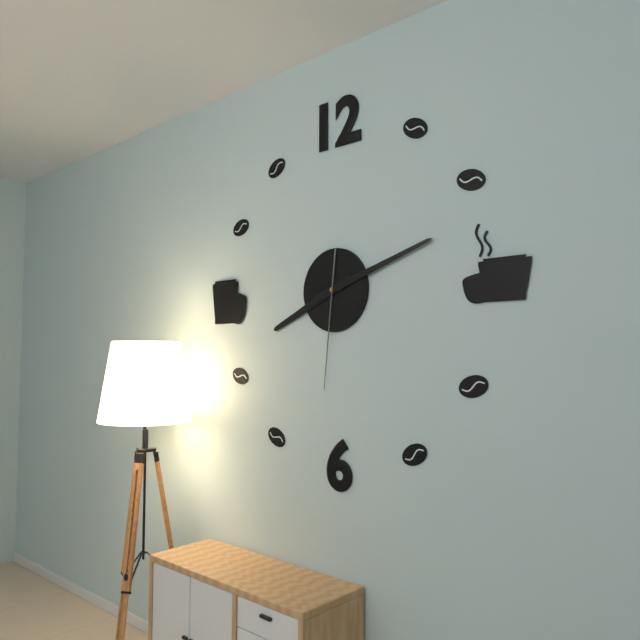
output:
8.12.31
